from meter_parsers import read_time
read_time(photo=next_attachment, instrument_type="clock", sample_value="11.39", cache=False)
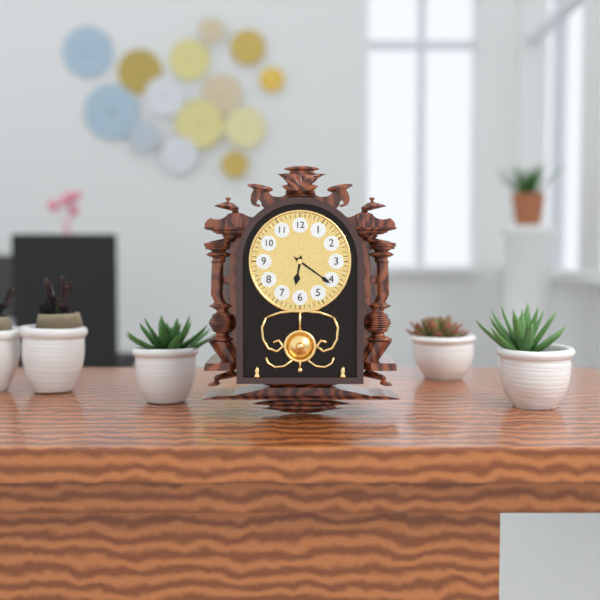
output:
6.21
